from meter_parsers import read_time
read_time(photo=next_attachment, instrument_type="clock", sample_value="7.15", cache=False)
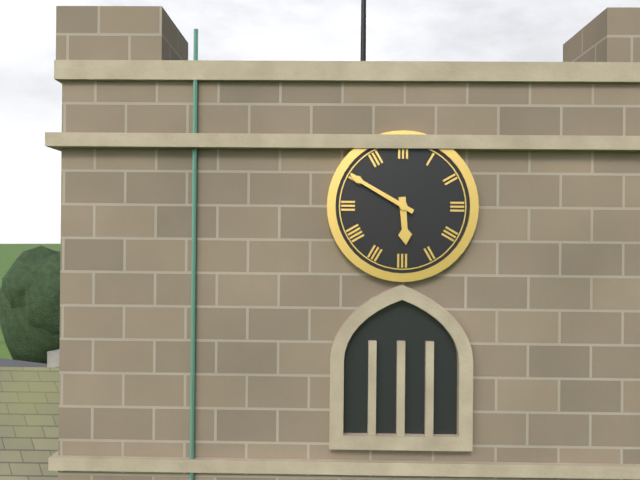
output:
5.50
